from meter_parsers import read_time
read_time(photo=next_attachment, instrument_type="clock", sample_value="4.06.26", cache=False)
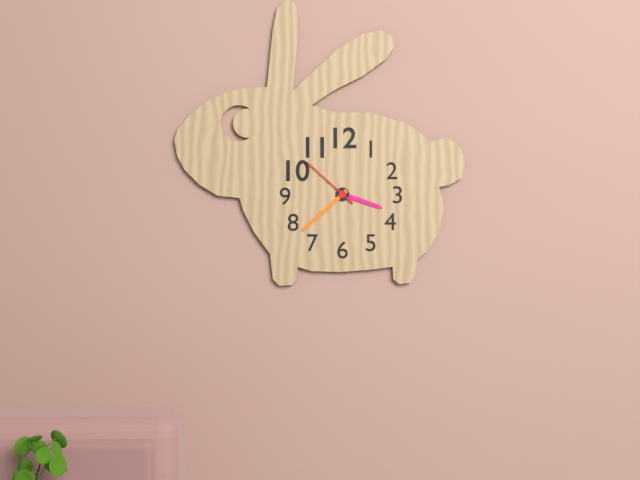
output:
3.38.52
